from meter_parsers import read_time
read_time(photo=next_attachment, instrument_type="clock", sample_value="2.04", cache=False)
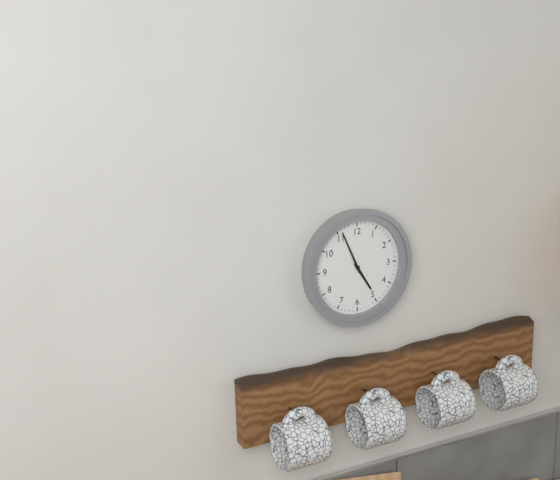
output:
4.56
